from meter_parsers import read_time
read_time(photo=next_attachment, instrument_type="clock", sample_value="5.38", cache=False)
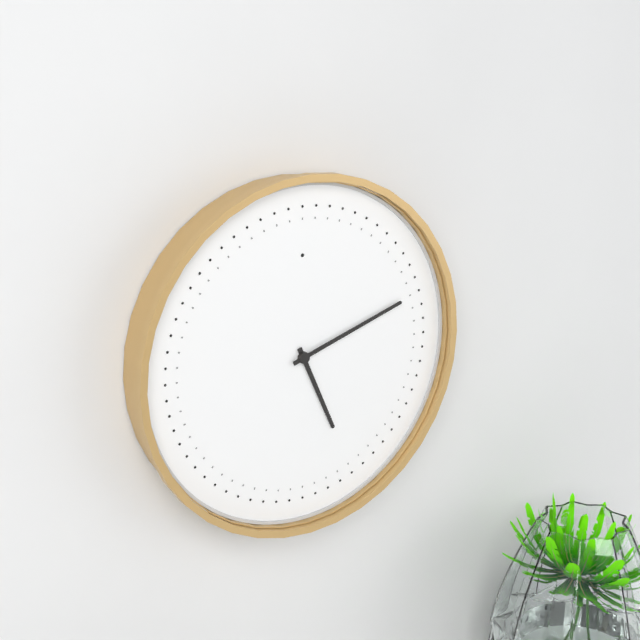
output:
5.12
